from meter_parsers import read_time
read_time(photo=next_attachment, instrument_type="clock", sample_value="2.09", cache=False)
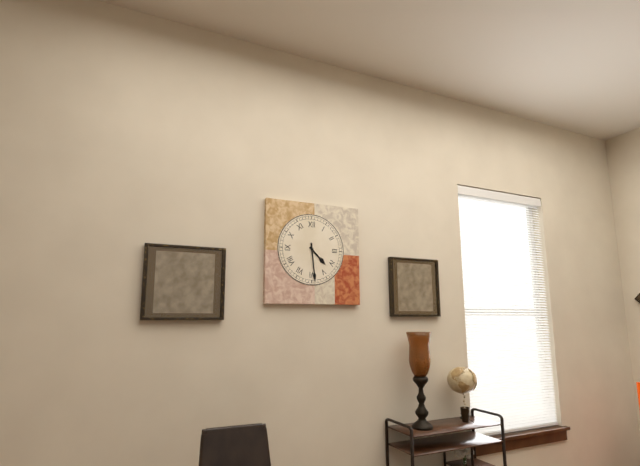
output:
4.29
